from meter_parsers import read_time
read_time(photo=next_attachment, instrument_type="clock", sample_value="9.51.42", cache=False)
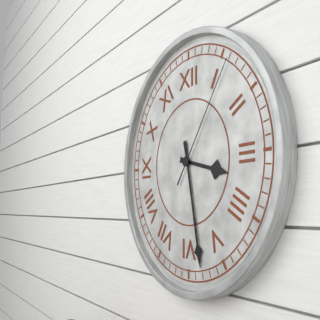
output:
3.28.06
